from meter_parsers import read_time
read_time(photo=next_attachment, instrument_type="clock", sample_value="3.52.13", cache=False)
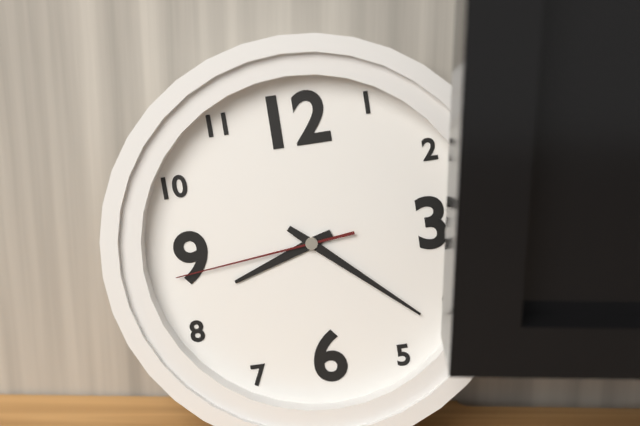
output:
8.22.44
